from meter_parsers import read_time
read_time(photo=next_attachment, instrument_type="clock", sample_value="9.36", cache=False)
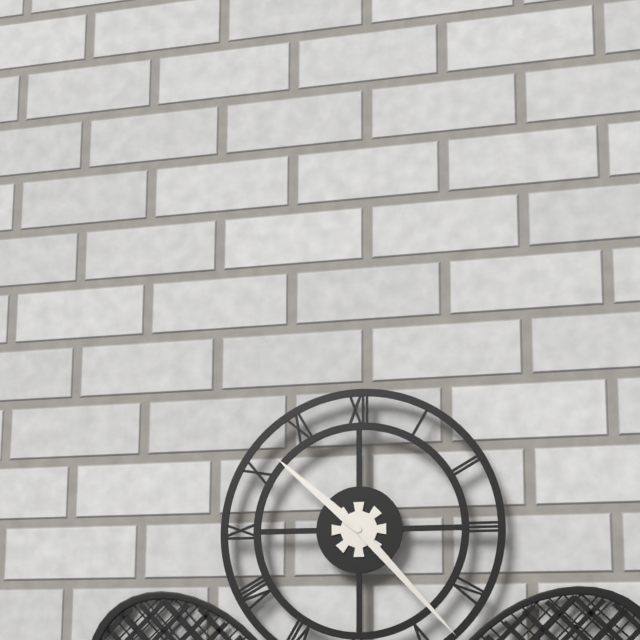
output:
10.23
